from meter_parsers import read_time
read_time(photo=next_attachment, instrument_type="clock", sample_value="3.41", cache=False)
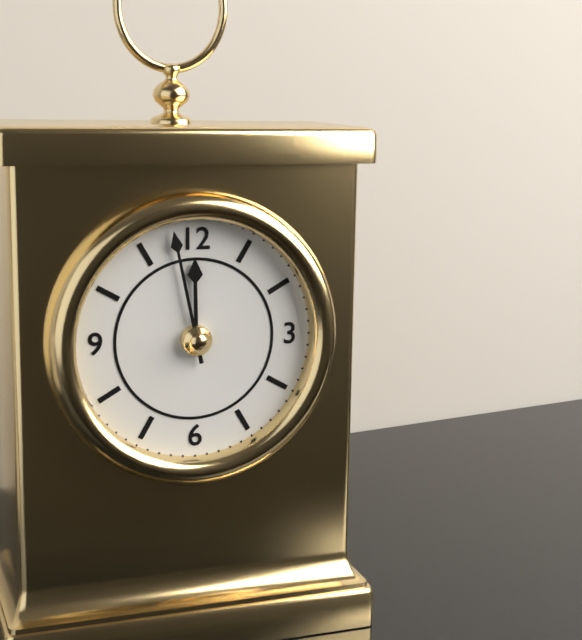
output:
11.58
